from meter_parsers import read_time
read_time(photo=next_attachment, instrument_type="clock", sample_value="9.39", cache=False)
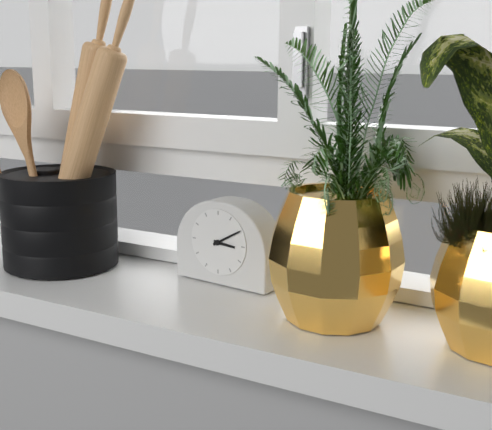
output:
3.10
